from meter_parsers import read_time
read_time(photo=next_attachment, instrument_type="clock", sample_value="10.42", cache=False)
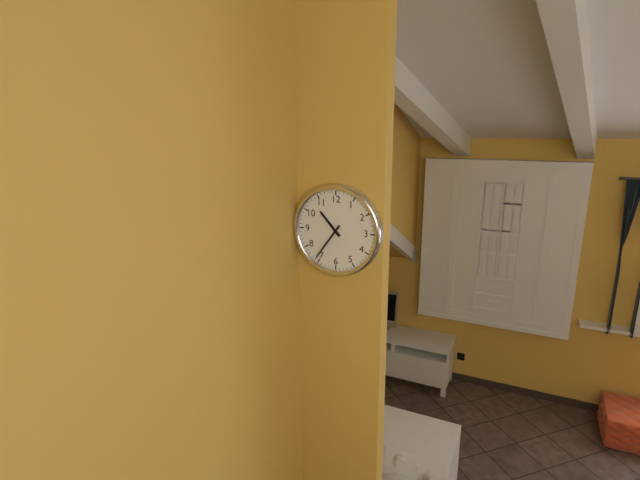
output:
10.36
